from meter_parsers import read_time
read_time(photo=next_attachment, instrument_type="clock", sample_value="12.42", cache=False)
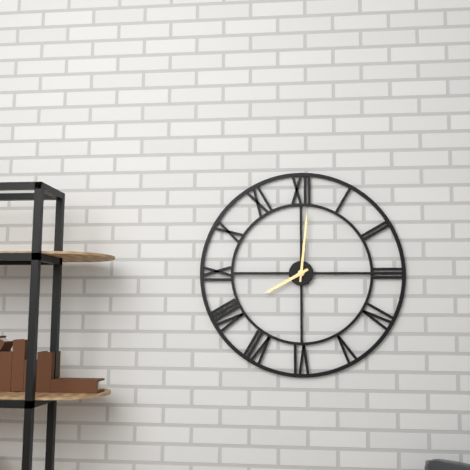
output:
8.01
